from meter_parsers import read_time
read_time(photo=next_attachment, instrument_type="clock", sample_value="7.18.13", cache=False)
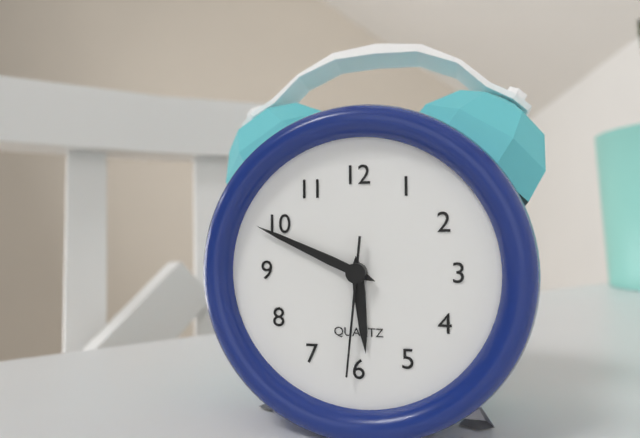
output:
5.49.31
